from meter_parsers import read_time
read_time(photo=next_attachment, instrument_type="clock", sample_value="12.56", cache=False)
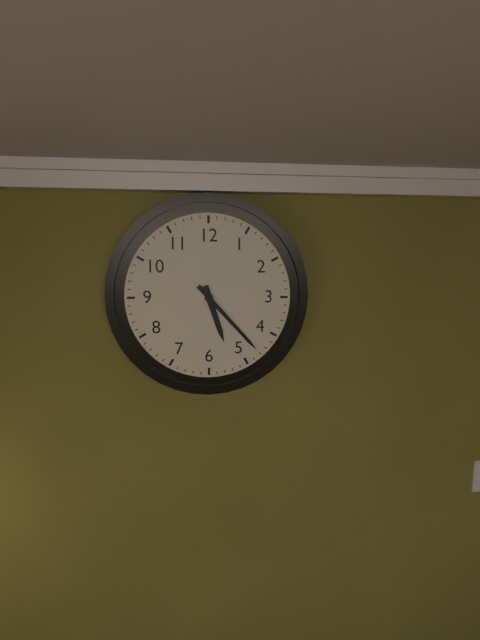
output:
5.23
